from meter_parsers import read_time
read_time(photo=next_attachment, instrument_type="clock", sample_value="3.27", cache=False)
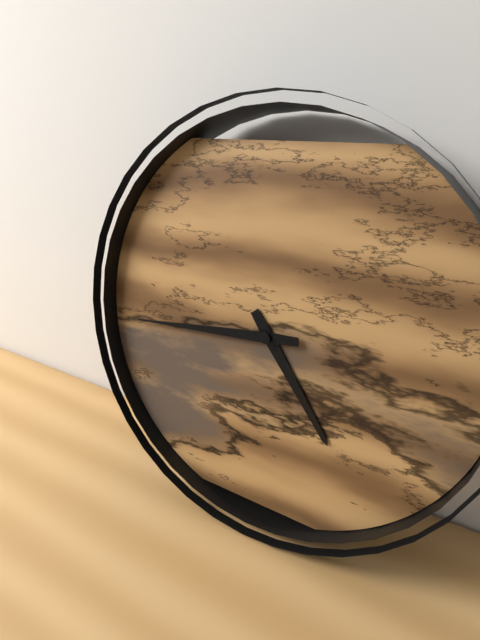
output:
4.44
